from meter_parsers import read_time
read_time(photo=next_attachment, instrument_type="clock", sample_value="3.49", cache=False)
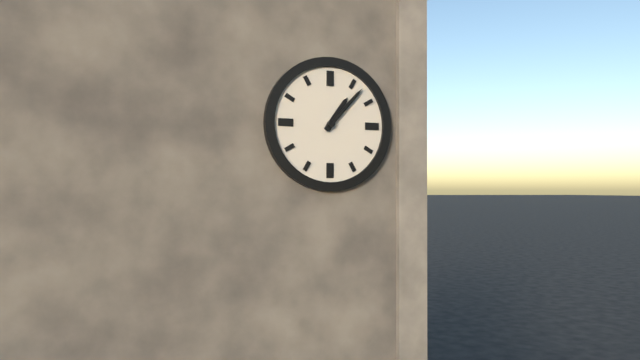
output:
1.07
